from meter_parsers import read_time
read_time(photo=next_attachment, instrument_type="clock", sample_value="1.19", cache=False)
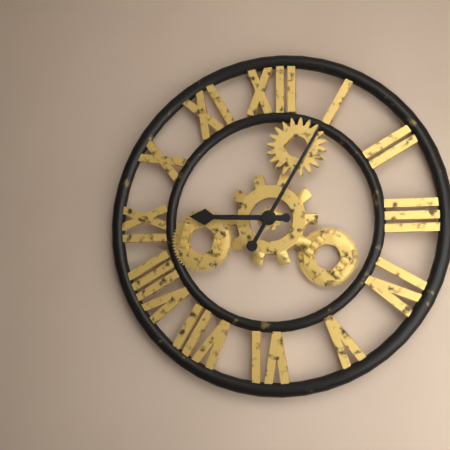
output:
9.05
